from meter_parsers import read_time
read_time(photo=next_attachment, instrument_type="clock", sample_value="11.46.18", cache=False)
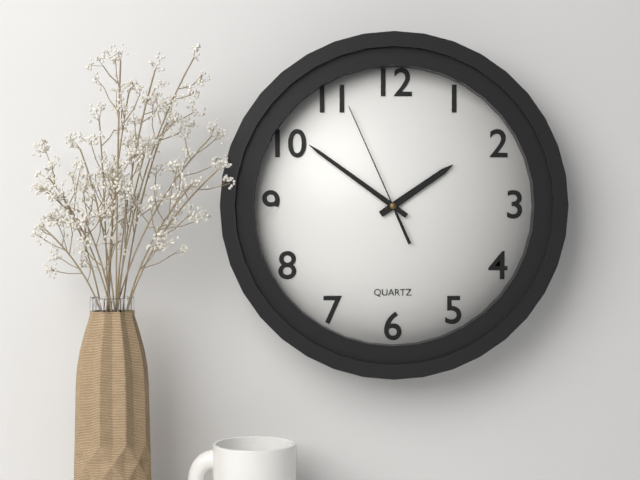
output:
1.51.56
